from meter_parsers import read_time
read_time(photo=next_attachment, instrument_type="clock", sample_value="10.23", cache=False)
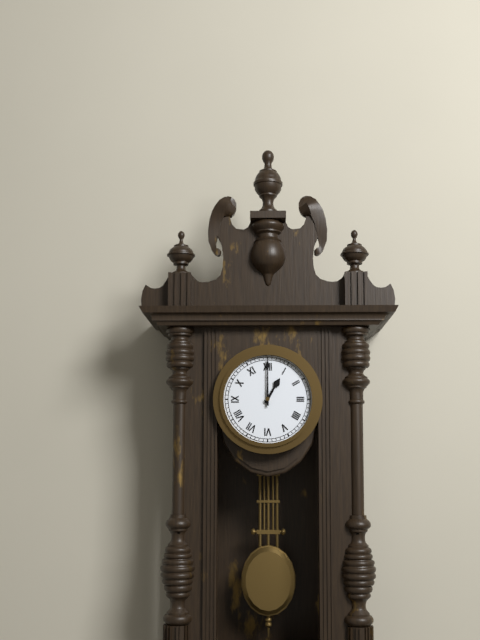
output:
1.00
